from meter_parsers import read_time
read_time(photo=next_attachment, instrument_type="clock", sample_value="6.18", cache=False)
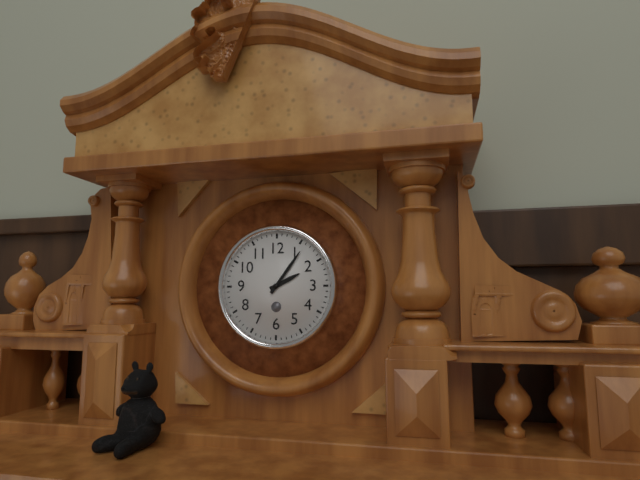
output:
2.06
